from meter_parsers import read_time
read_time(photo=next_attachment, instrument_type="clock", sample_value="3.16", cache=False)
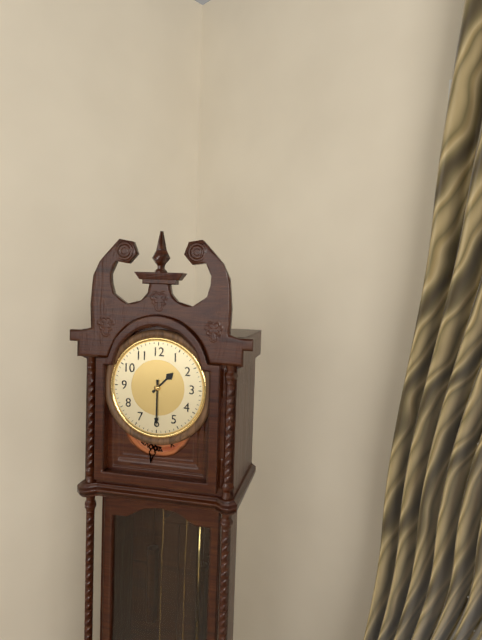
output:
1.30
